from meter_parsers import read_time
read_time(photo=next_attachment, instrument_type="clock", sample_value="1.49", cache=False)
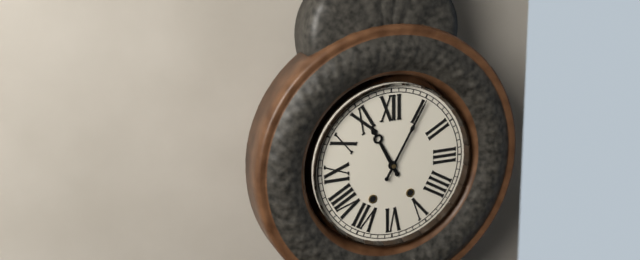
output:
11.05
